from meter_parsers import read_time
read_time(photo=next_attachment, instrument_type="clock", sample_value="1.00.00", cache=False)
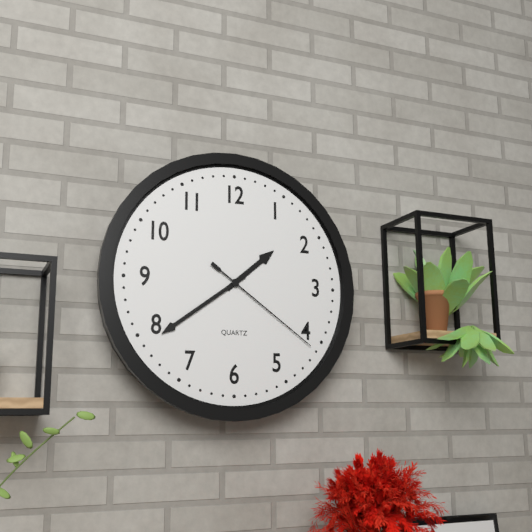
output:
1.39.21
